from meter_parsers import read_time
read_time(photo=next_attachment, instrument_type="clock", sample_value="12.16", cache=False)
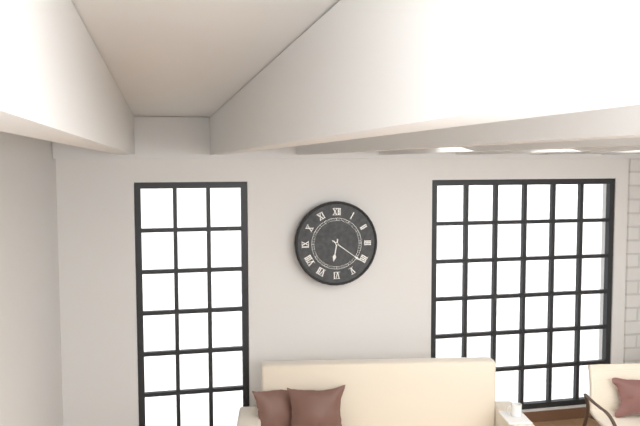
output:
6.21
